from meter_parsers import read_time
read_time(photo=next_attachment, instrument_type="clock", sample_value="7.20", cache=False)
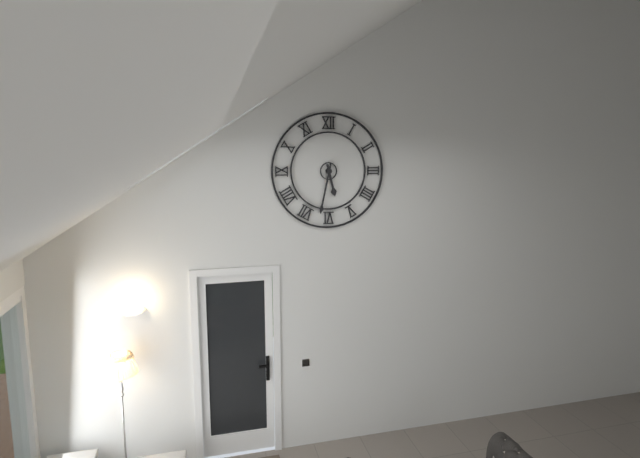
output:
5.32
